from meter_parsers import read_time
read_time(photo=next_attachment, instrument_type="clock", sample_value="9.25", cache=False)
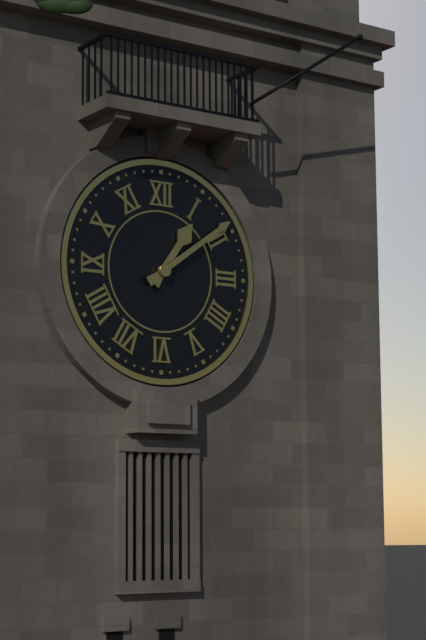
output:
1.09
